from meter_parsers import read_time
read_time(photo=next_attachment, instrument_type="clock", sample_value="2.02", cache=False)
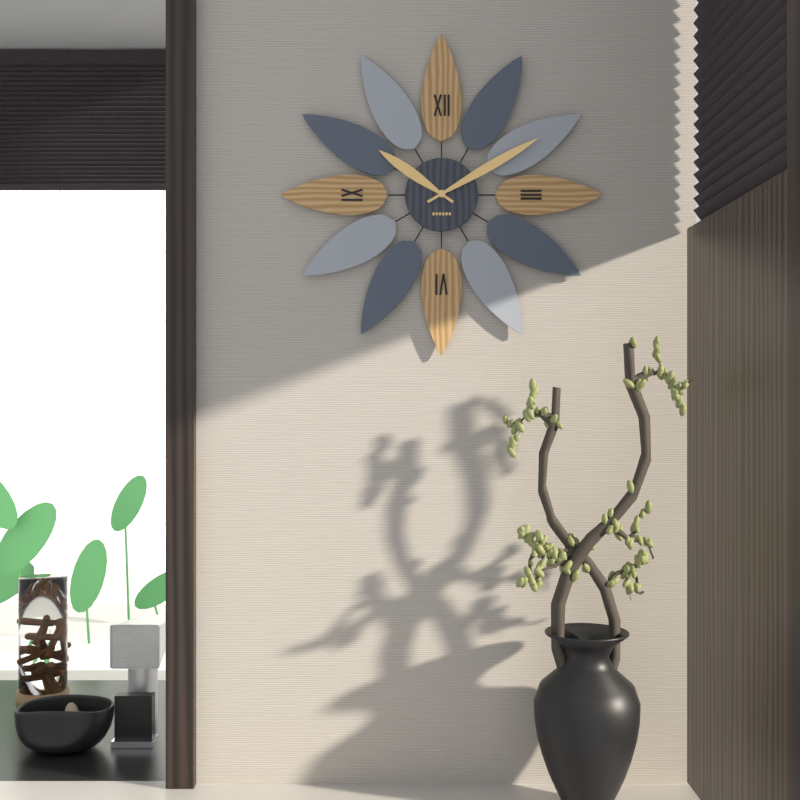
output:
10.10
